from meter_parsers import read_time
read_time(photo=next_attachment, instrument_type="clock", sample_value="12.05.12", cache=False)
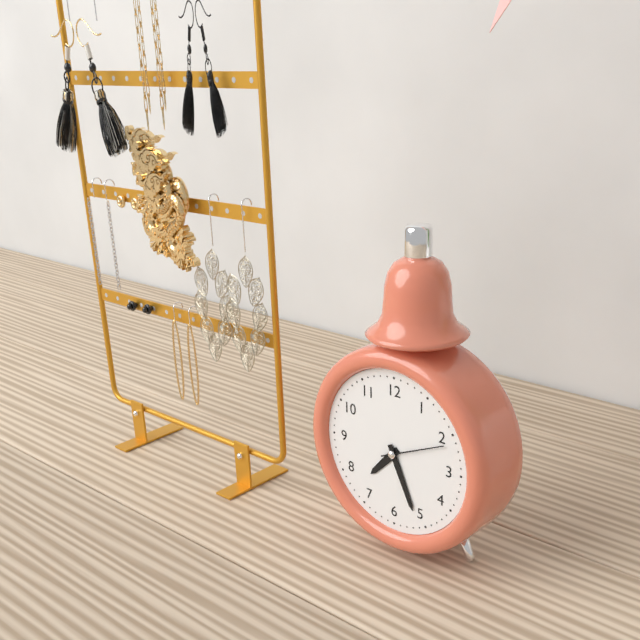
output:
7.26.11
